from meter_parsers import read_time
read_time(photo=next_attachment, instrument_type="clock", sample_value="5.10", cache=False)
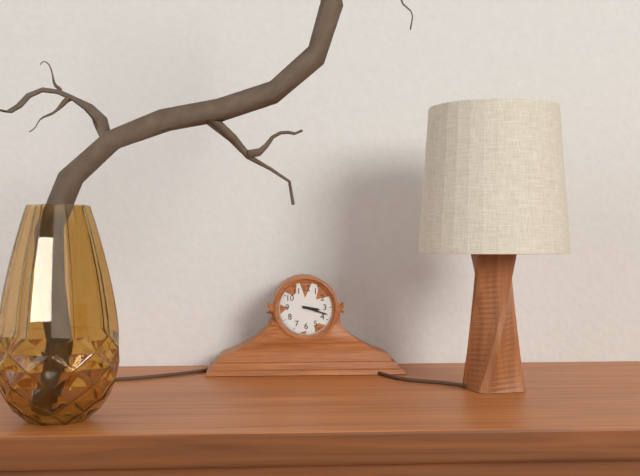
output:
3.18
